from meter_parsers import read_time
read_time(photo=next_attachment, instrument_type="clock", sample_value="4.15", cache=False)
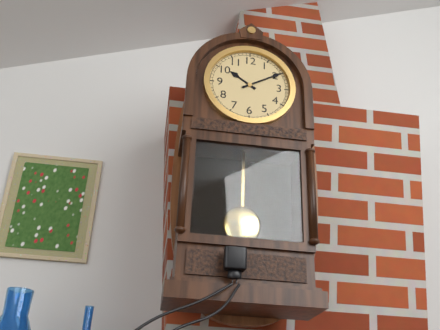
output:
10.10
